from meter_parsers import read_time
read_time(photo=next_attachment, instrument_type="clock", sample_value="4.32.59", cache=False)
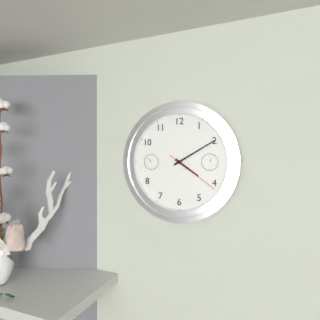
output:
4.10.21
